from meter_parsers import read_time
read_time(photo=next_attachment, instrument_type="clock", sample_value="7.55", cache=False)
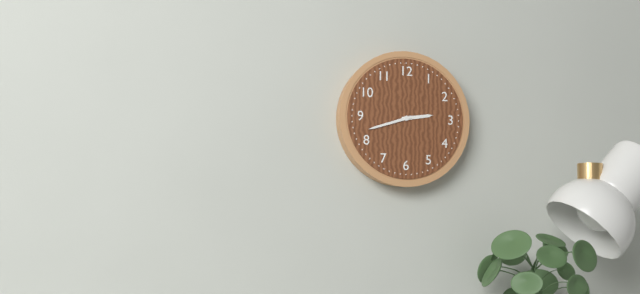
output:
2.42
